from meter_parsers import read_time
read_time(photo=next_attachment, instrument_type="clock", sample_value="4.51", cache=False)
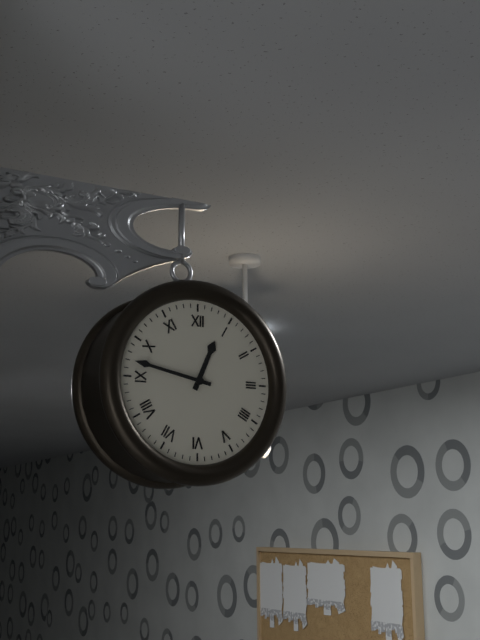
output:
12.47
